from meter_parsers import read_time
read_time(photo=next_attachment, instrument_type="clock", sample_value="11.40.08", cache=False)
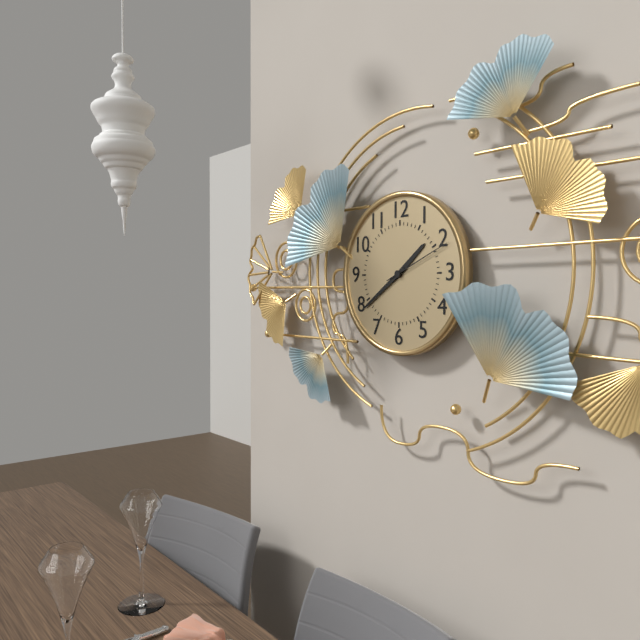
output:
1.39.11
